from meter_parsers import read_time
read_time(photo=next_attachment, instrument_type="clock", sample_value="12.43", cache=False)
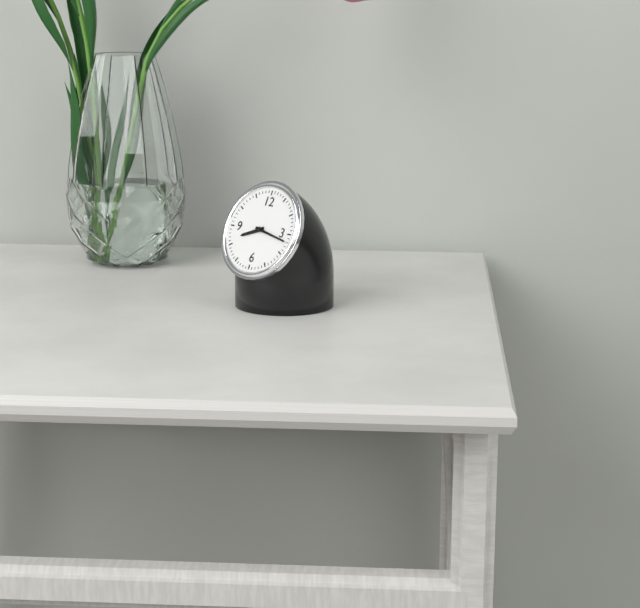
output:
8.17
